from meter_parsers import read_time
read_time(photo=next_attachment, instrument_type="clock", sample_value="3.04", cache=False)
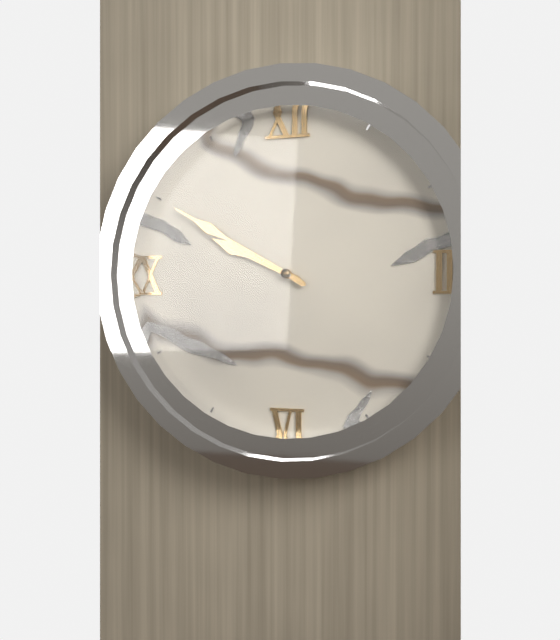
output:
9.50
